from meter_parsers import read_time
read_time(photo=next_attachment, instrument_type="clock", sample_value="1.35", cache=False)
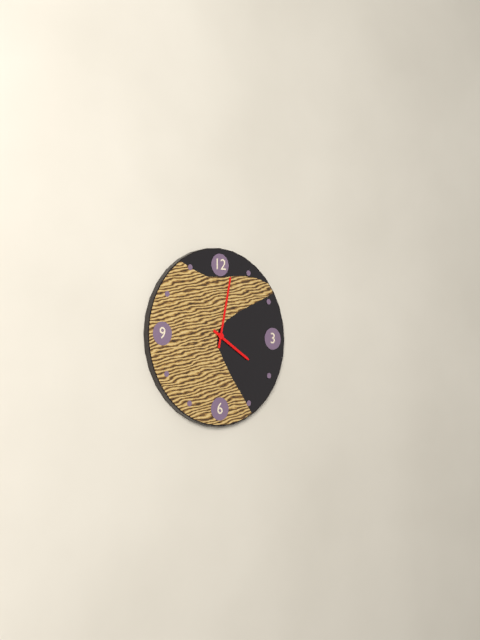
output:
4.02
